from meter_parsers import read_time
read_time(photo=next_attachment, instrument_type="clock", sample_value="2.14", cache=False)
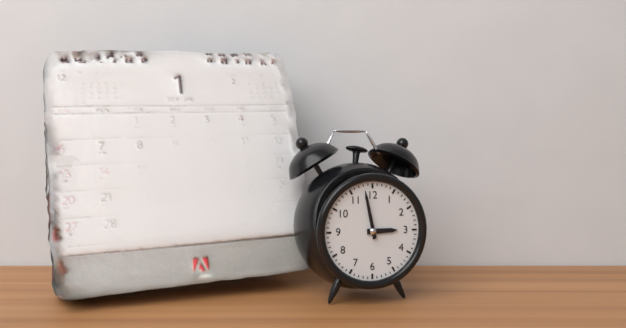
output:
2.58
